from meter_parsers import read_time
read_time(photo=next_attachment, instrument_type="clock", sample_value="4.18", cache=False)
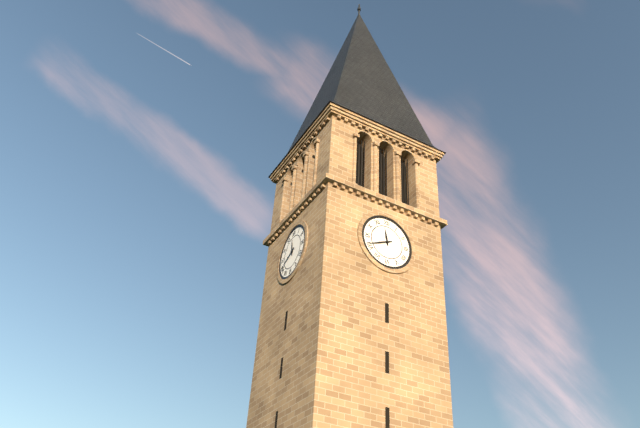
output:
11.41
